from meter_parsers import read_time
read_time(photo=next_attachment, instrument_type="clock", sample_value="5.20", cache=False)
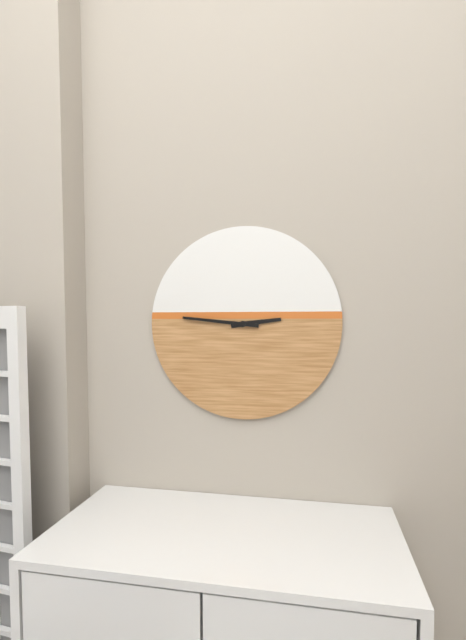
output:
2.46
